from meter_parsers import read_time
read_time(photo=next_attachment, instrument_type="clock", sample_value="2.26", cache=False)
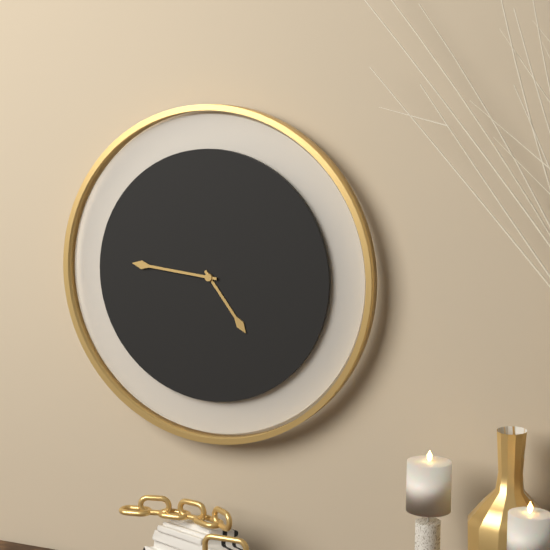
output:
4.46
